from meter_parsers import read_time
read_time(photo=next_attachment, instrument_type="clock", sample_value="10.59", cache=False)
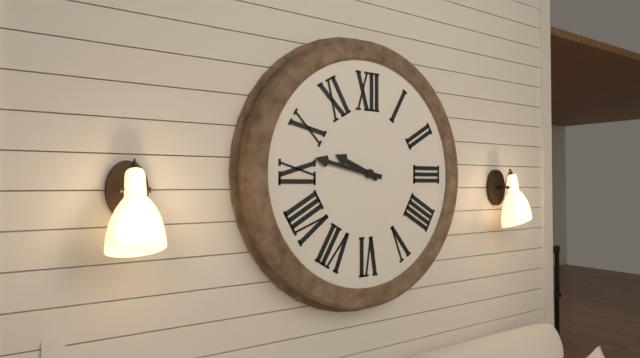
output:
9.47
